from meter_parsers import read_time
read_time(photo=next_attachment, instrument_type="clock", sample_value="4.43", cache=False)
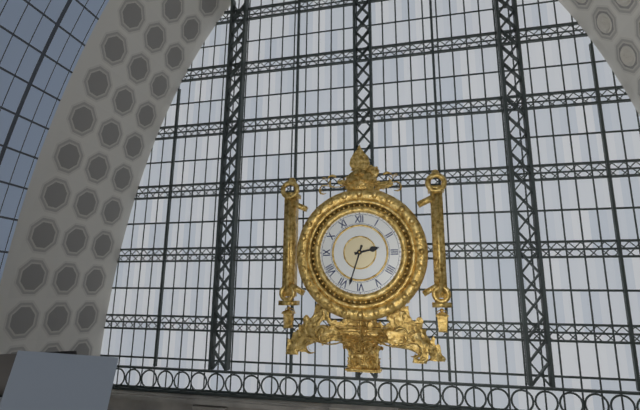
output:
2.33
